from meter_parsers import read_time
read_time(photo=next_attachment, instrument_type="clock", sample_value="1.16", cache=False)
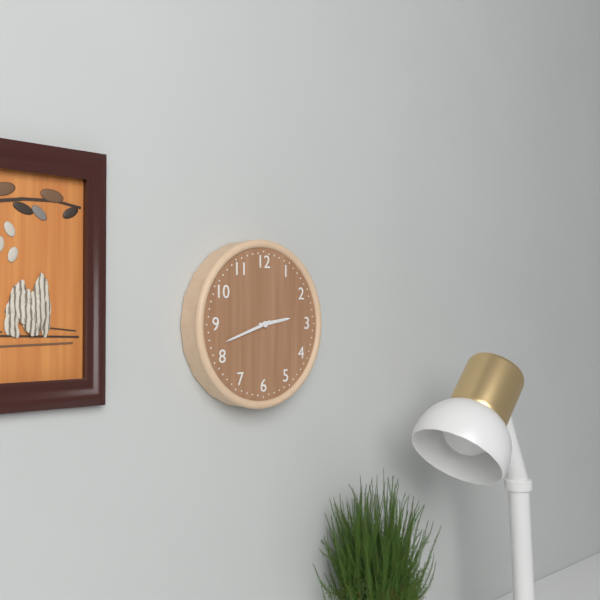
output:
2.42
